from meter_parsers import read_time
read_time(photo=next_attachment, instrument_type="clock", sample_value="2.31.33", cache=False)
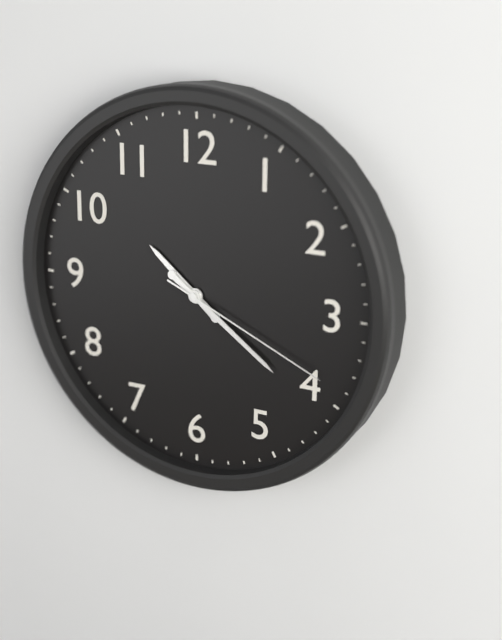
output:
10.21.19
